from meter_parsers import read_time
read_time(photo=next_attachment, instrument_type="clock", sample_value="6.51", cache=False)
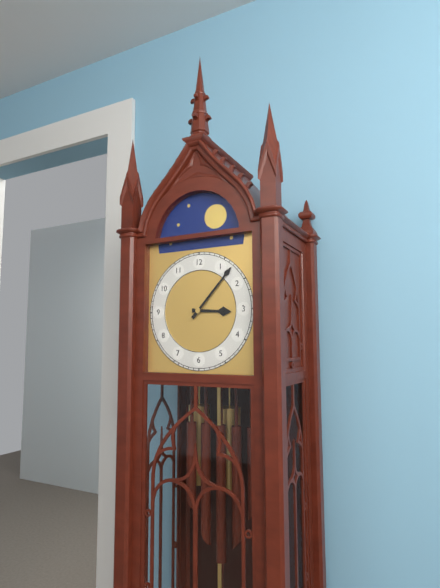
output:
3.07
